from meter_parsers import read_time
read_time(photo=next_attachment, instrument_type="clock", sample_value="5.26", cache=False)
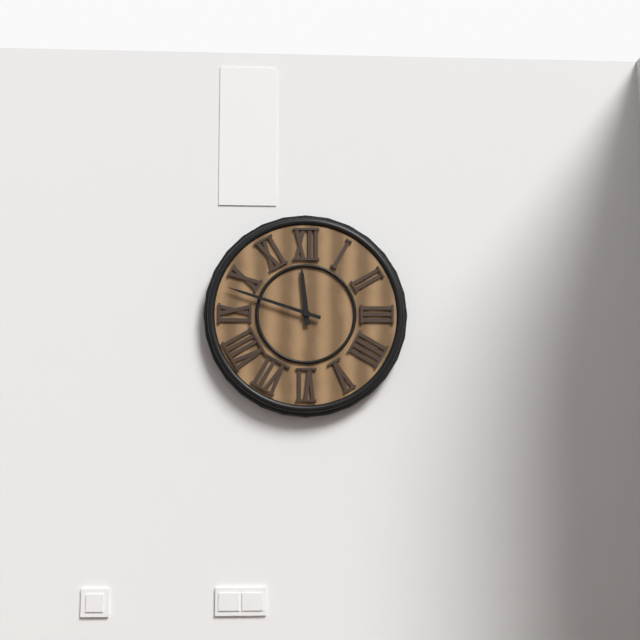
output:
11.48
